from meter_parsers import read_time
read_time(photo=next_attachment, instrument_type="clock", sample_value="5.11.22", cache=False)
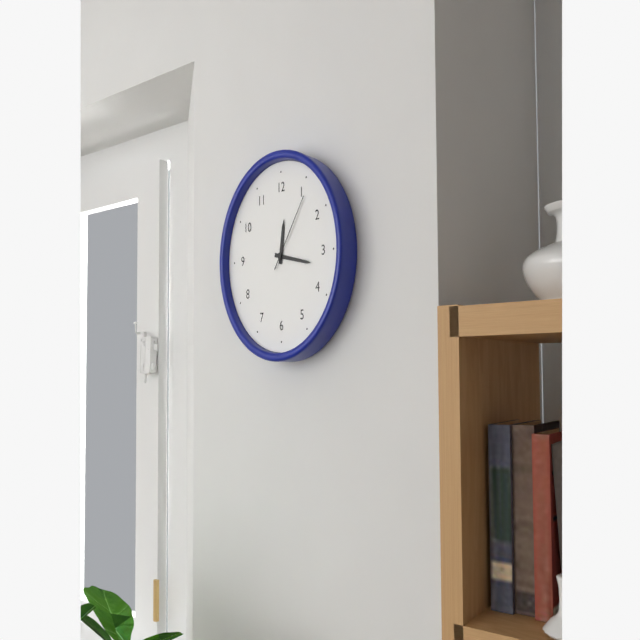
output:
12.17.06
